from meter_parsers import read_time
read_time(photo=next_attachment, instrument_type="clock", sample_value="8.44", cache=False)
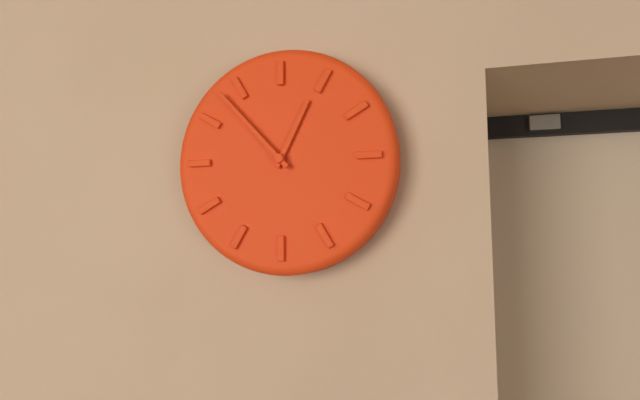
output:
12.53
